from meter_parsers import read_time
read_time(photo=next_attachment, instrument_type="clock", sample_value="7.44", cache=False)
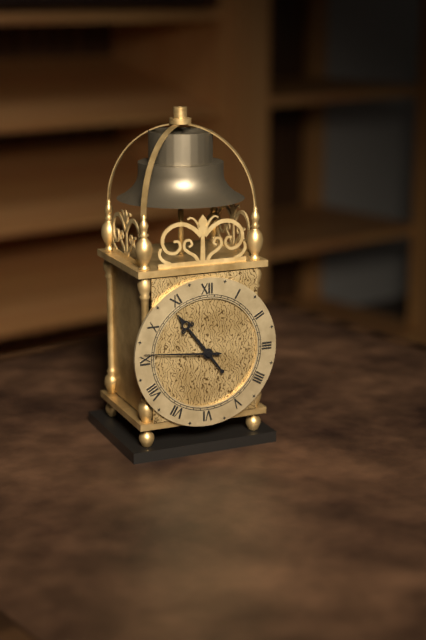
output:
10.46
